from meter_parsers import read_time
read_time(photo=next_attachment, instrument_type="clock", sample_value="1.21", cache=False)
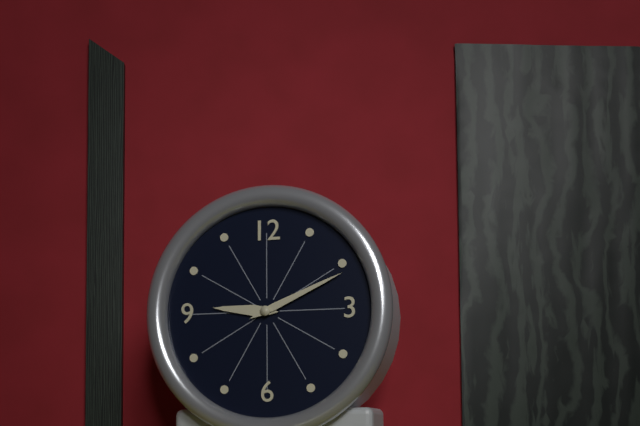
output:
9.11
